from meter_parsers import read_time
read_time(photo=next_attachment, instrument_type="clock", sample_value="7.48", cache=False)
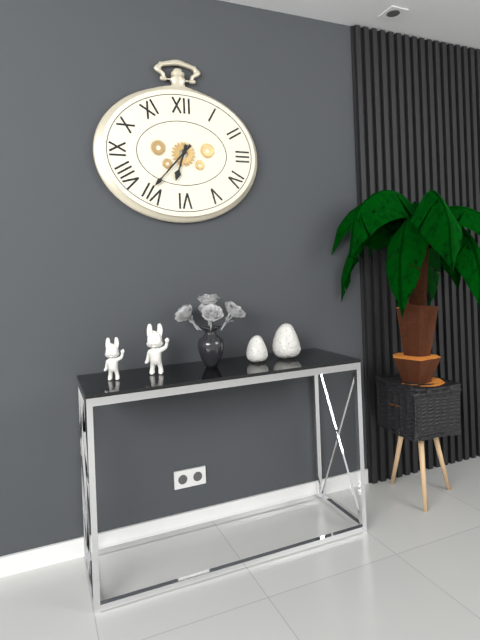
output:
6.37
